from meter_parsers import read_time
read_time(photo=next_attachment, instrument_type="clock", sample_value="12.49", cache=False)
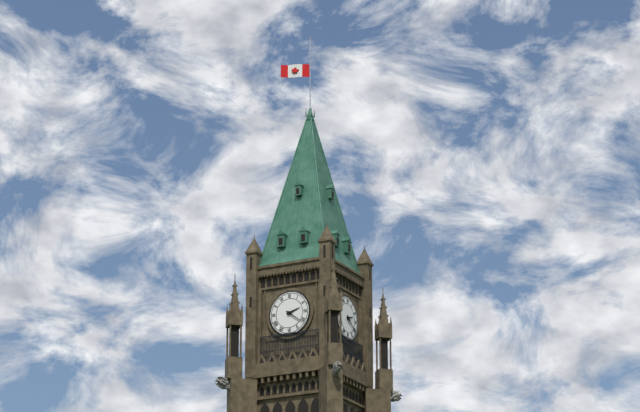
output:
2.21
